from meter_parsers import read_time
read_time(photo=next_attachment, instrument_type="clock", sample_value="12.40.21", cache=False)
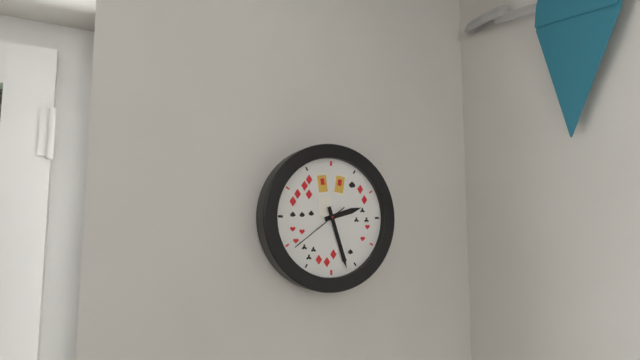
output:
2.27.39
